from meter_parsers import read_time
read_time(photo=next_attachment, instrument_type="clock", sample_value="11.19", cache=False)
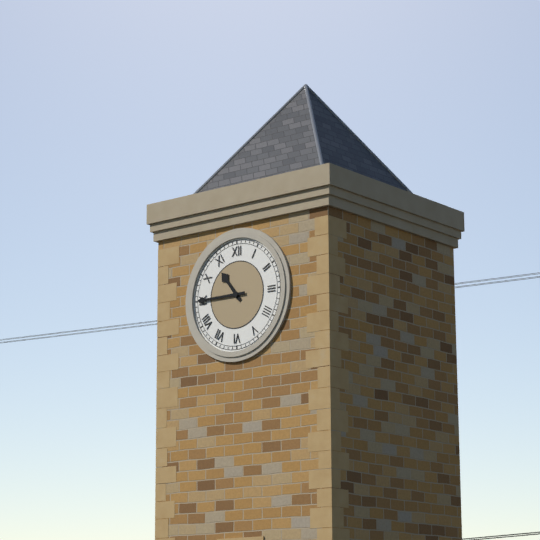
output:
10.45
